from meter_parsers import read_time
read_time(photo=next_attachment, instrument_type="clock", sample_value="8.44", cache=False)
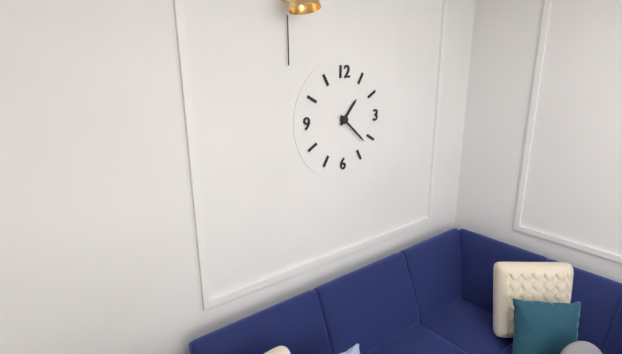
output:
1.22
